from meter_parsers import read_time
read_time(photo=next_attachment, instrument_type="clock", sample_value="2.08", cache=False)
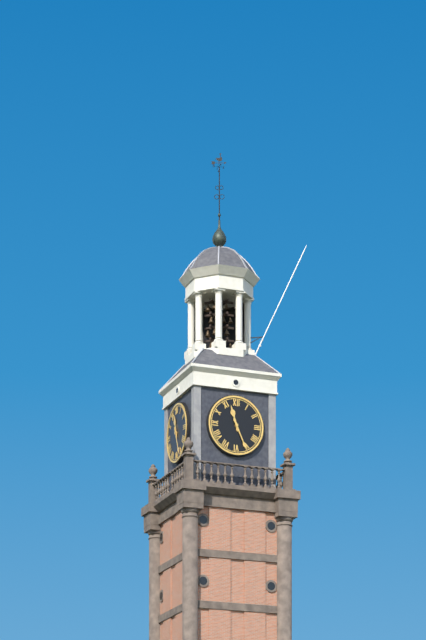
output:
11.26
